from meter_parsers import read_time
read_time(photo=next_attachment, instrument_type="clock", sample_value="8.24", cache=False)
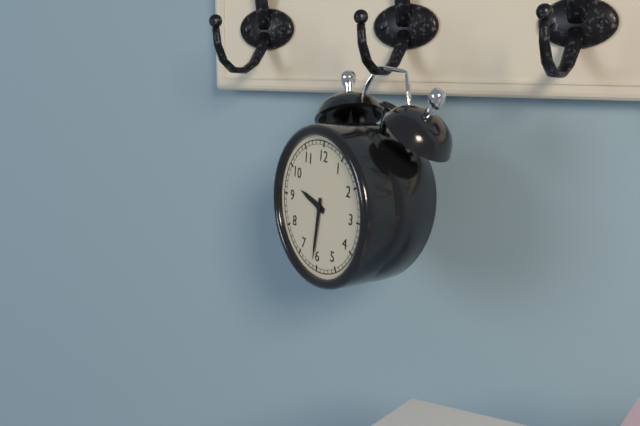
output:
9.31
